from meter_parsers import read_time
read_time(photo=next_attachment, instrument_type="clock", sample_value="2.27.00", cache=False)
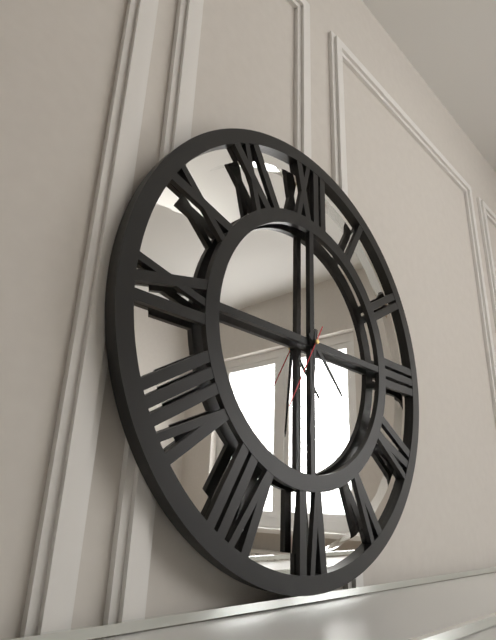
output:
4.31.35
